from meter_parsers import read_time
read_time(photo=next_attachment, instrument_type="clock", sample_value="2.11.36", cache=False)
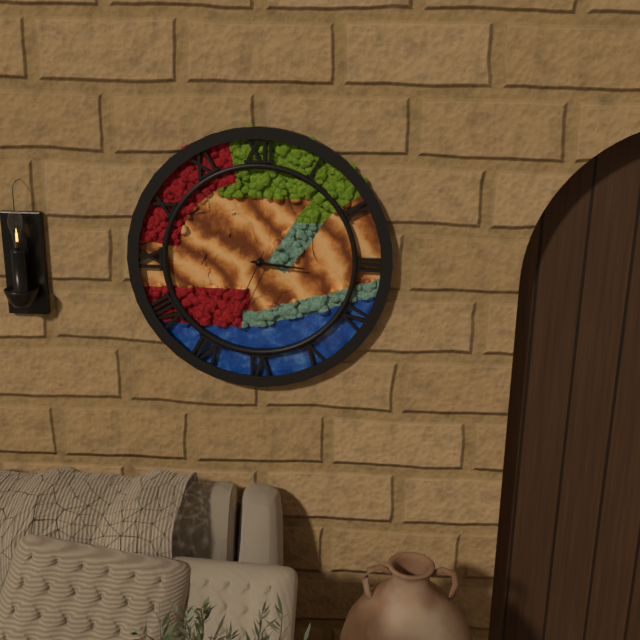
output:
3.16.34
